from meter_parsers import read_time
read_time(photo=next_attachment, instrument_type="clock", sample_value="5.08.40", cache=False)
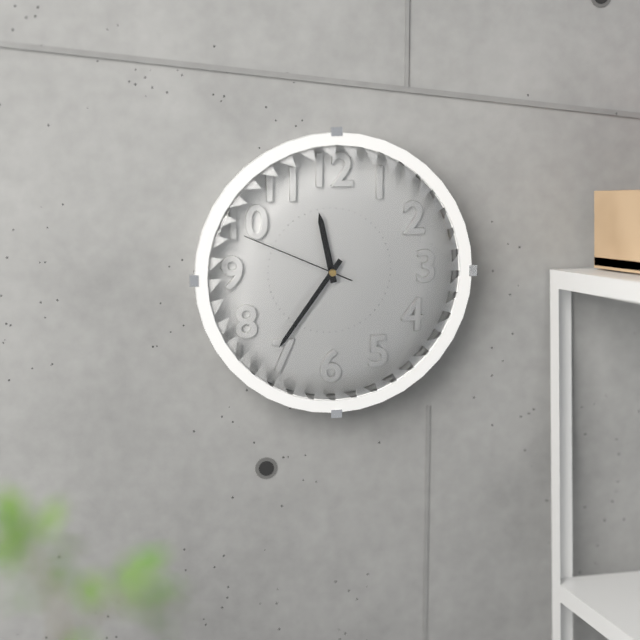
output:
11.36.49
